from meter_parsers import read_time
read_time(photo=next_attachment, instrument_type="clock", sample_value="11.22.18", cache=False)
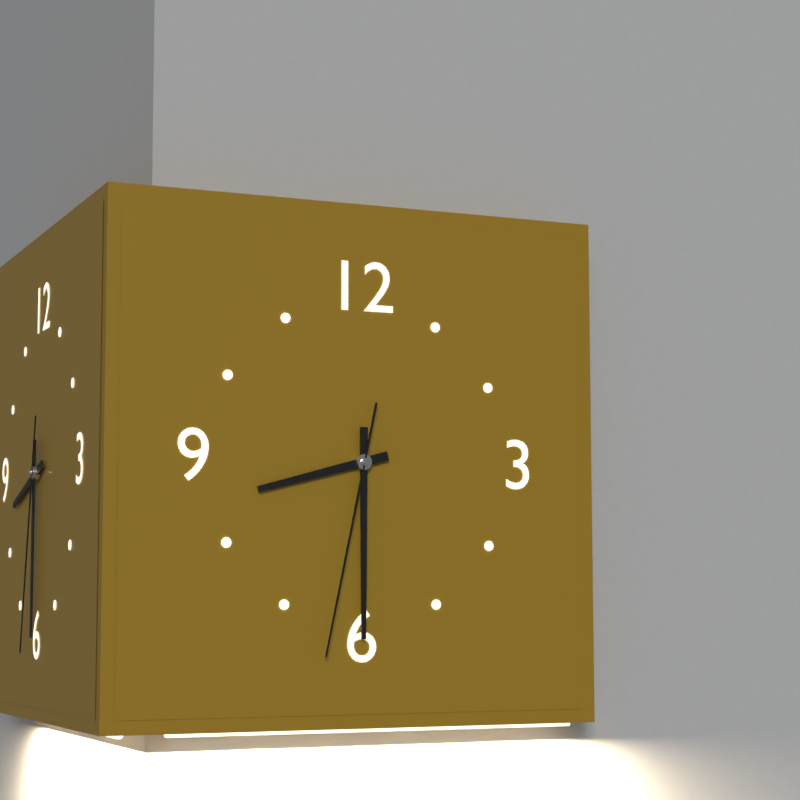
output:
8.30.32
